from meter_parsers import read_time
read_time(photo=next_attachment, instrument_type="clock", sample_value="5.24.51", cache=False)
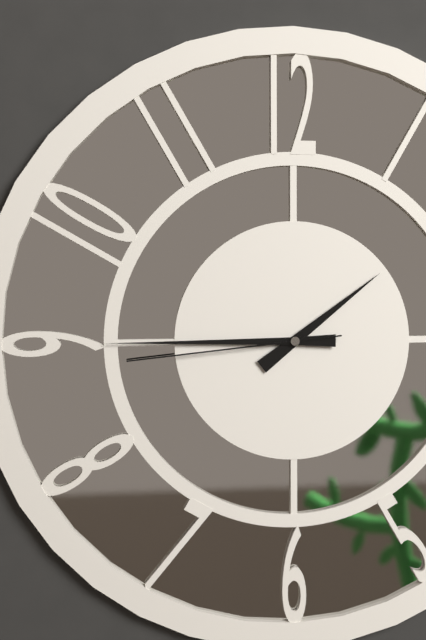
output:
1.45.44
